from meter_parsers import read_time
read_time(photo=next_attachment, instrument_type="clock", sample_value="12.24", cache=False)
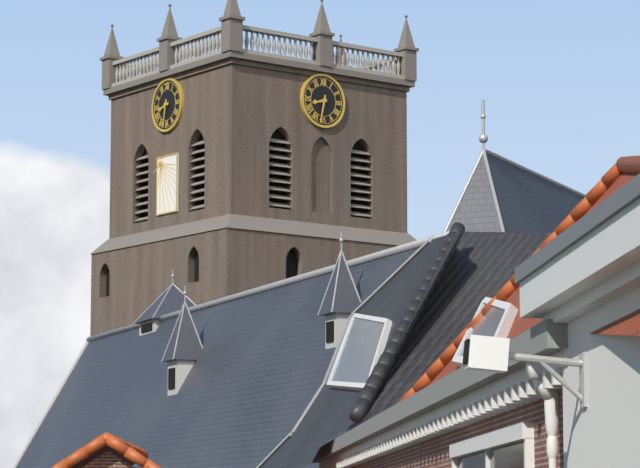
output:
8.32
